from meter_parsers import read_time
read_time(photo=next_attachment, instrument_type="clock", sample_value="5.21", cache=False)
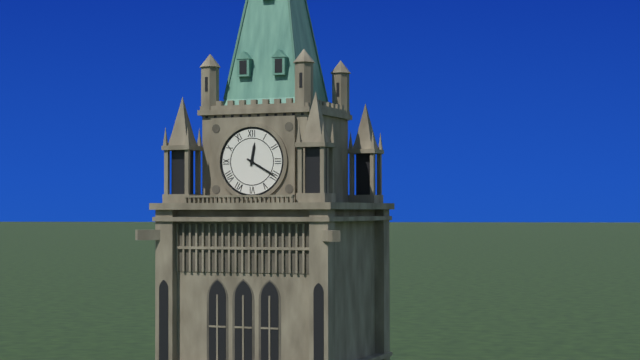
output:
12.20
